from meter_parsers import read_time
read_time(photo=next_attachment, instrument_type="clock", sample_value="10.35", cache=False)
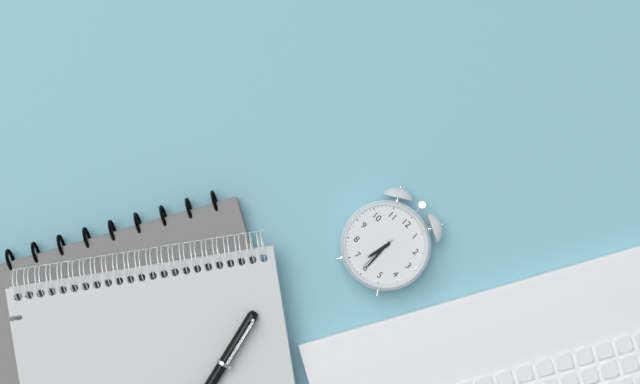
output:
6.30
